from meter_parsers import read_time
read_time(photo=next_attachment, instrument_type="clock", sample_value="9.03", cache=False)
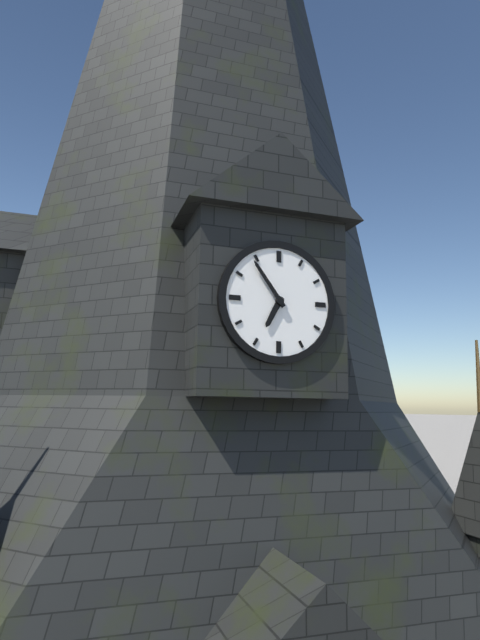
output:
6.54
